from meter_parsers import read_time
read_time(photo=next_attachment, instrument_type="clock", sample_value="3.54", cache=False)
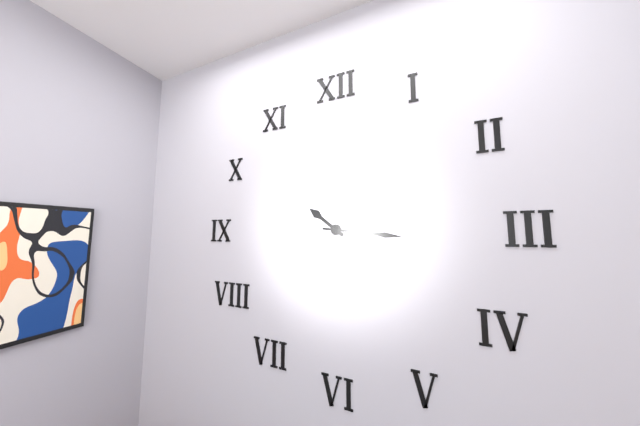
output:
10.16
